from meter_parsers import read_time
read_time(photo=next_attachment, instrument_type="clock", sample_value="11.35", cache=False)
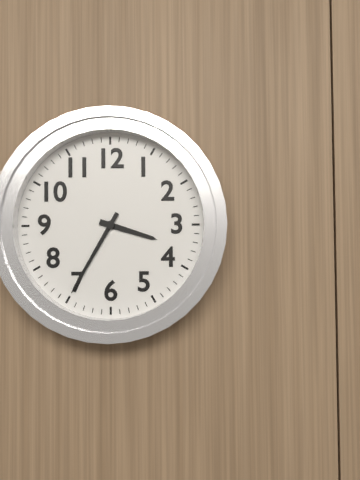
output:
3.35
